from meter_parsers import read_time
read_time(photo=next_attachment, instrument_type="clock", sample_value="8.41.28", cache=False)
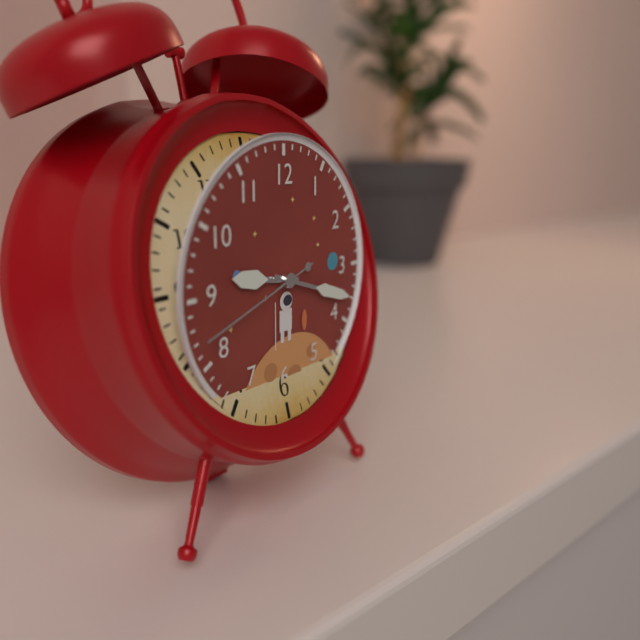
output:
9.18.42
